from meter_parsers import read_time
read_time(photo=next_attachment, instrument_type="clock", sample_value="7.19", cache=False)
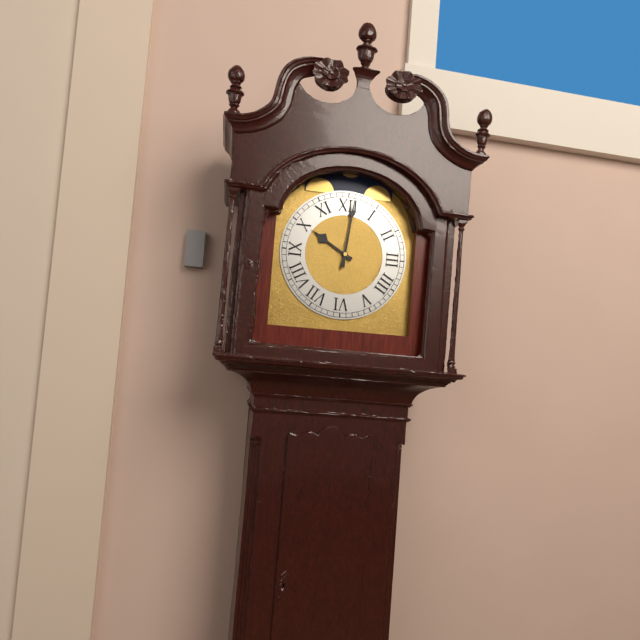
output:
10.01
